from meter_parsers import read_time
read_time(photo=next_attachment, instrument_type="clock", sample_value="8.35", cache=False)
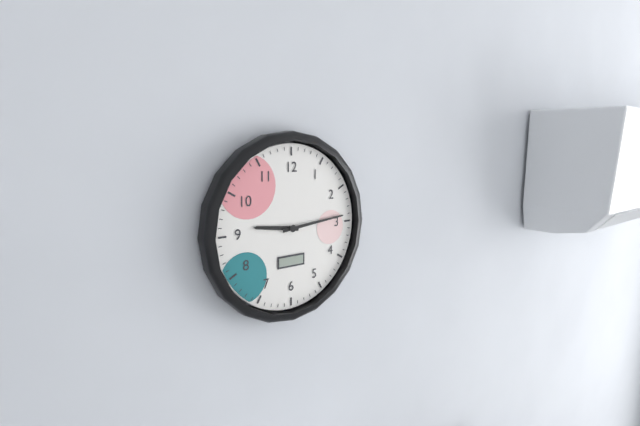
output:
9.14
